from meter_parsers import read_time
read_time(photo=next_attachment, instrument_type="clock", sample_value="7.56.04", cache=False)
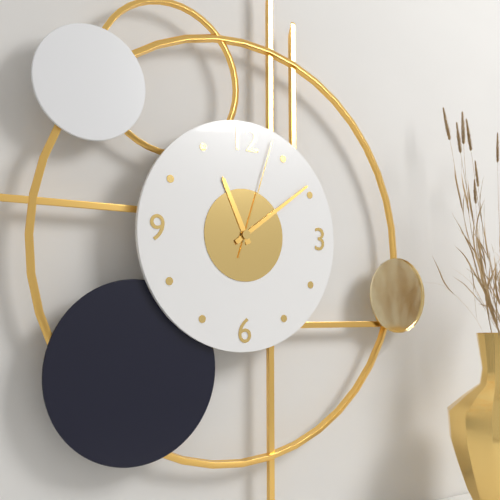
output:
11.09.03
